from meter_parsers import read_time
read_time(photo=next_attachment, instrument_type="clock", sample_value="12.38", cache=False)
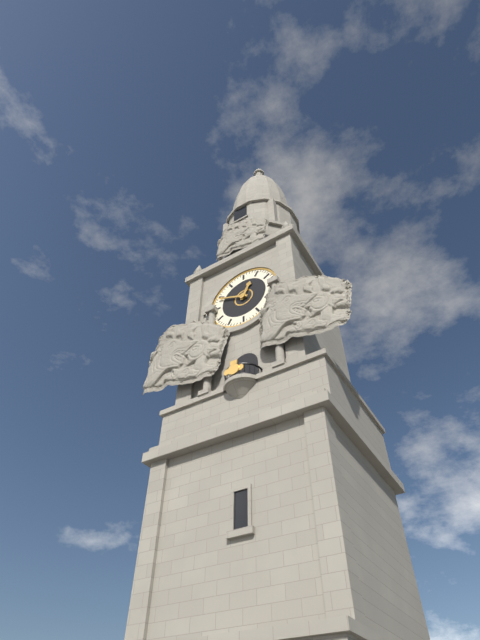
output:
12.49
